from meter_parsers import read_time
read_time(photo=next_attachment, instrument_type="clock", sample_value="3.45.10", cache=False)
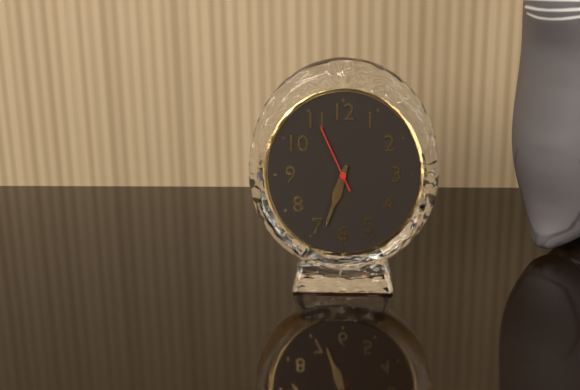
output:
6.33.56
